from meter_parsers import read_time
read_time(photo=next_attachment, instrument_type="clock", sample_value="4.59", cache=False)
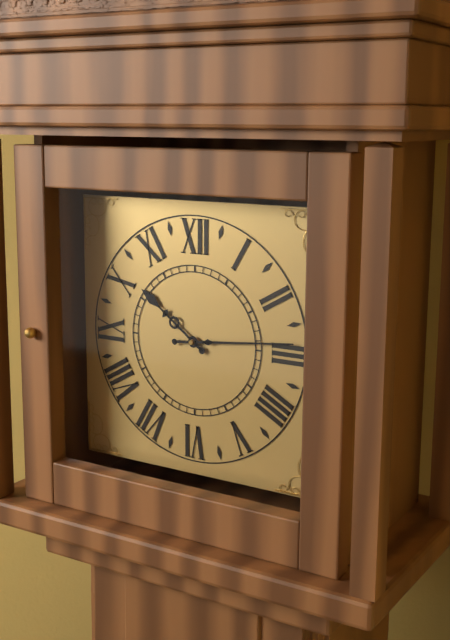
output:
10.14
